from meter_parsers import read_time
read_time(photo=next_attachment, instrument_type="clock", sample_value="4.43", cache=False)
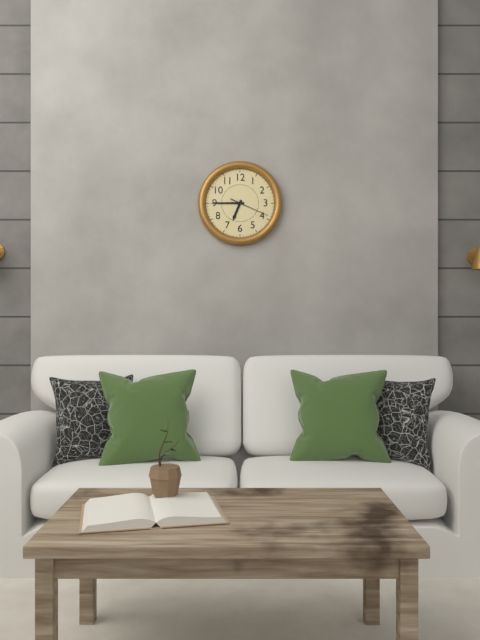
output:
6.45
